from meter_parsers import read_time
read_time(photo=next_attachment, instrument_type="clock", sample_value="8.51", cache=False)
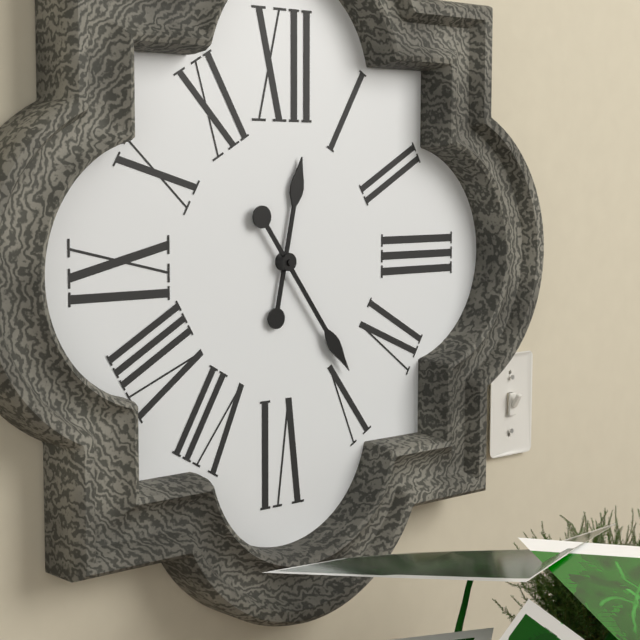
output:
12.24
